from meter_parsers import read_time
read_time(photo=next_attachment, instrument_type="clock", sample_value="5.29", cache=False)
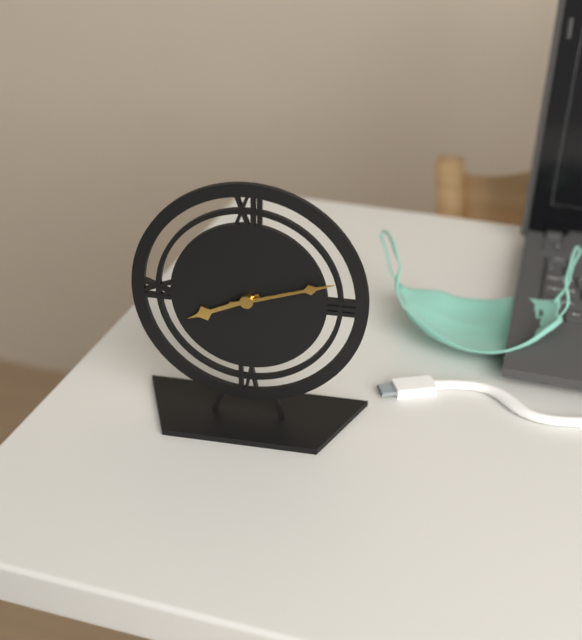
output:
8.12
